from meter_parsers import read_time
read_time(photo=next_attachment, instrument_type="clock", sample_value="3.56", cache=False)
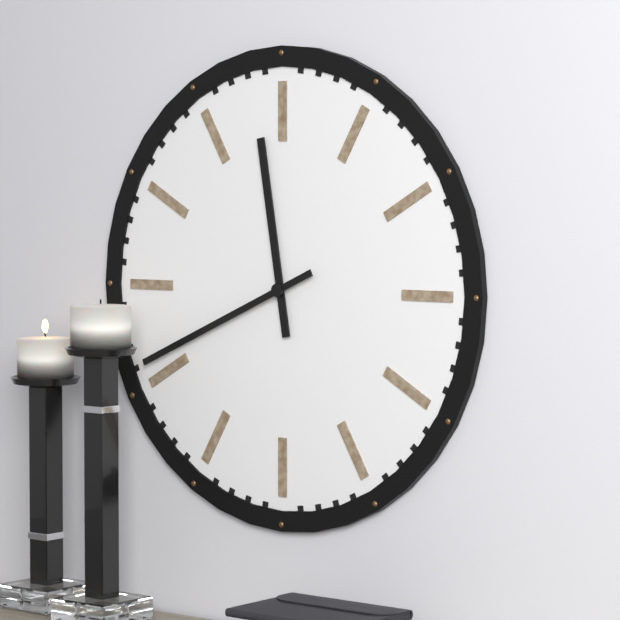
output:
11.41
